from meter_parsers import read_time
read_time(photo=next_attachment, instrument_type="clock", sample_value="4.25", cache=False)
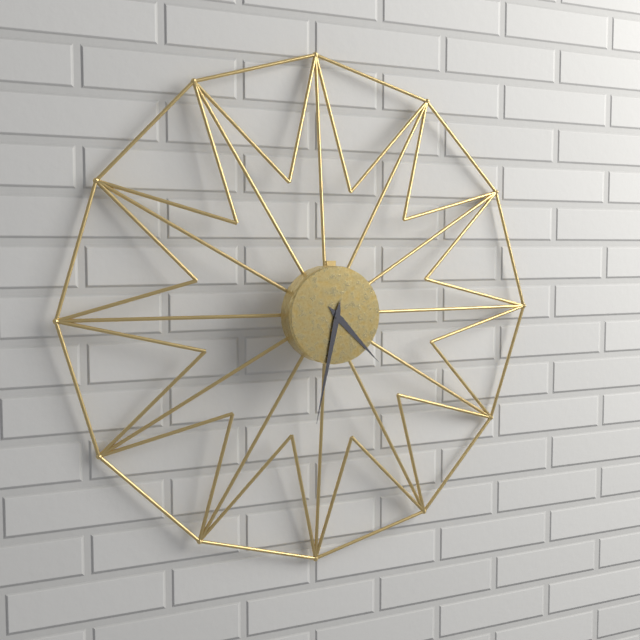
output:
4.32
